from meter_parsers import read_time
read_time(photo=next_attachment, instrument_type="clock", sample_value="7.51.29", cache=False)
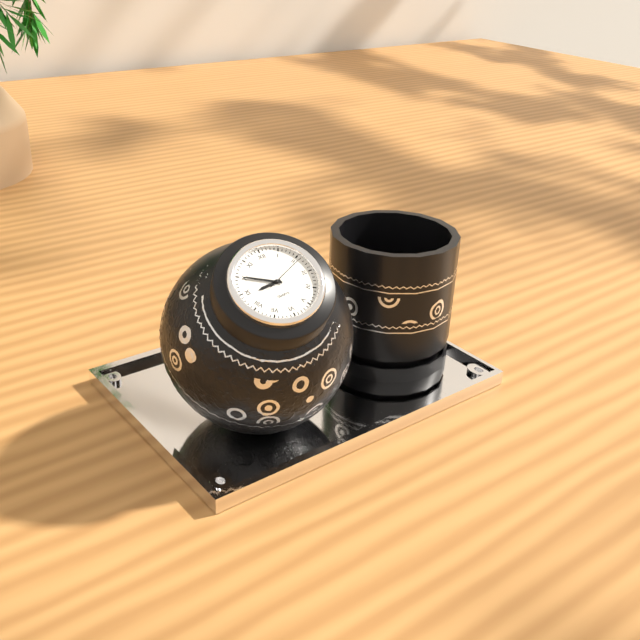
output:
8.50.11
